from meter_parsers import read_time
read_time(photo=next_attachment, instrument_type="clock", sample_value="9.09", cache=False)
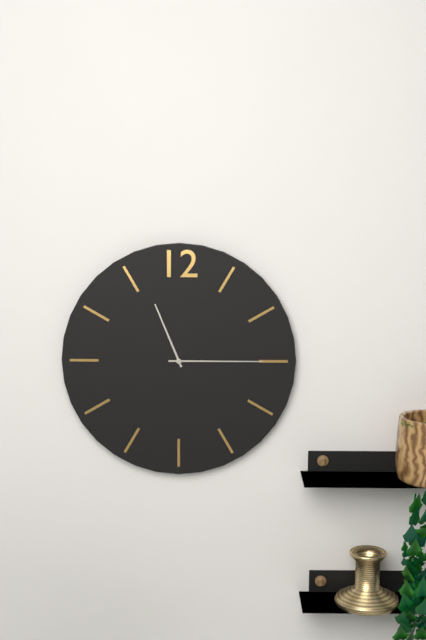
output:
11.15
